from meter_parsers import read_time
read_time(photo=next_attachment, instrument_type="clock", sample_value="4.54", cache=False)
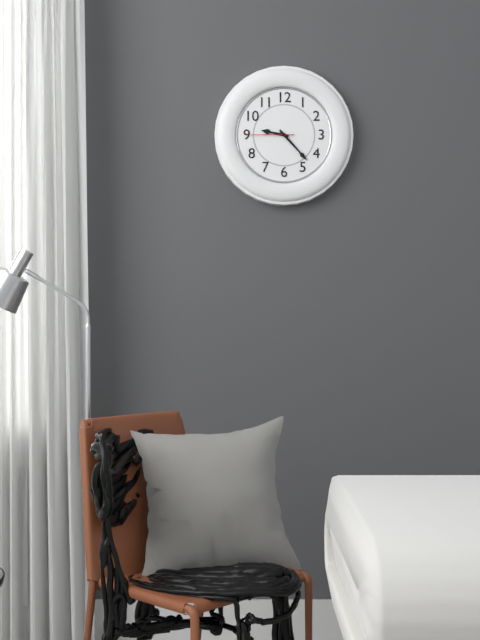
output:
9.23
